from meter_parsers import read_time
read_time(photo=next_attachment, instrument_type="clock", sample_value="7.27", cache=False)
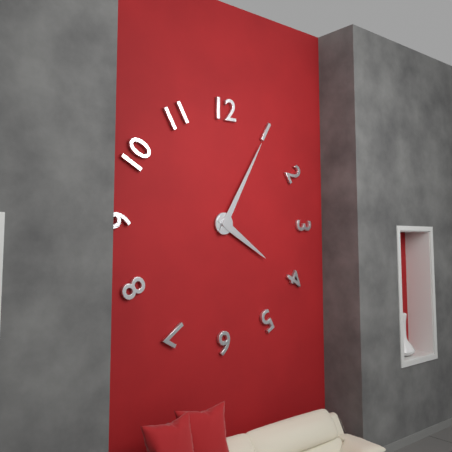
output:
4.05
